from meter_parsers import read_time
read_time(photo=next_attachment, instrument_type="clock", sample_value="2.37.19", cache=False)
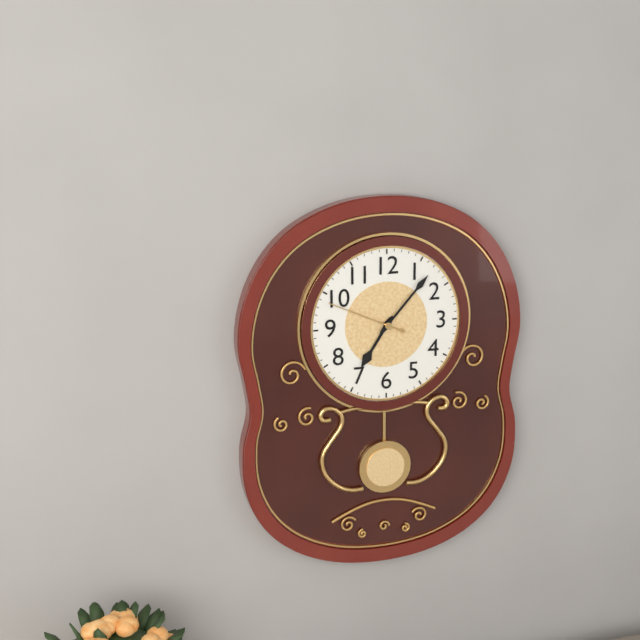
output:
7.07.49
